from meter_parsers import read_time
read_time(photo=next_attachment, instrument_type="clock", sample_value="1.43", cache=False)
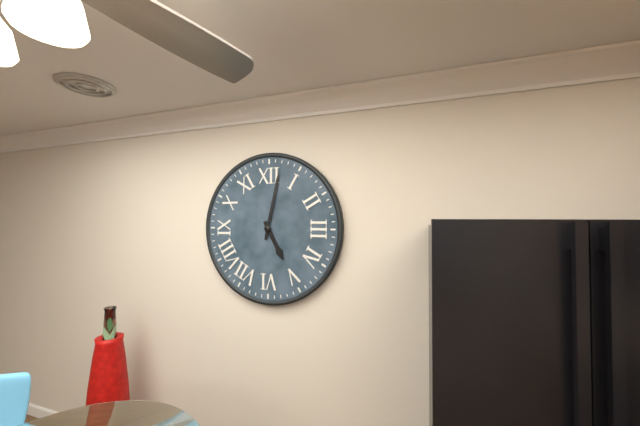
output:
5.02
